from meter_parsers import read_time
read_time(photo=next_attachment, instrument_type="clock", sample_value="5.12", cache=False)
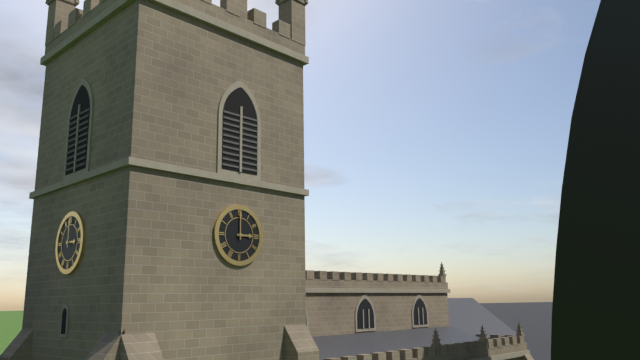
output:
3.00
